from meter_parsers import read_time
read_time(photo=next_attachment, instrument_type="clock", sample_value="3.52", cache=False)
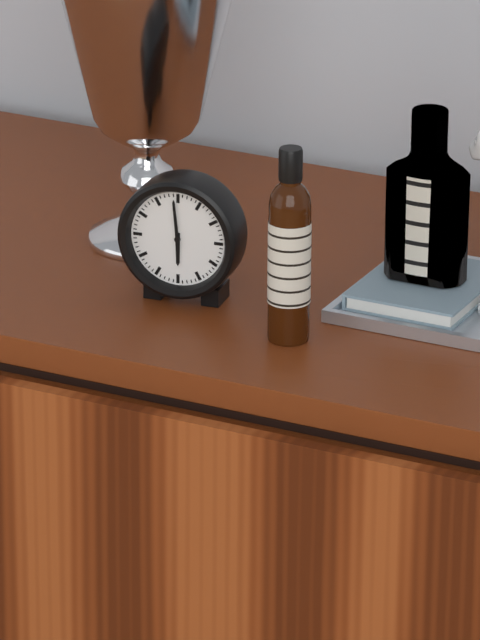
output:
5.59
